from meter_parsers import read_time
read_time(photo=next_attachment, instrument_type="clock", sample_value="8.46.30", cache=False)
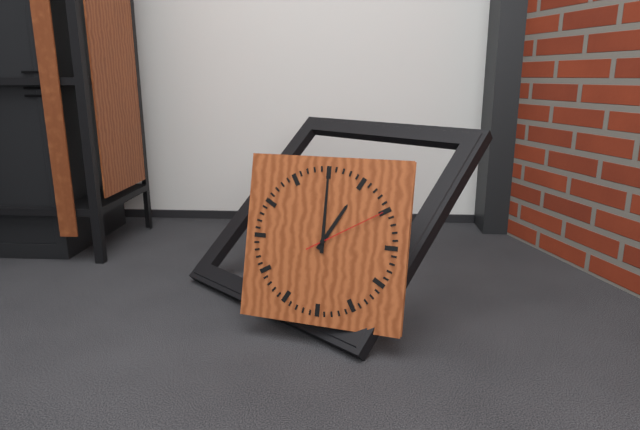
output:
1.00.10
